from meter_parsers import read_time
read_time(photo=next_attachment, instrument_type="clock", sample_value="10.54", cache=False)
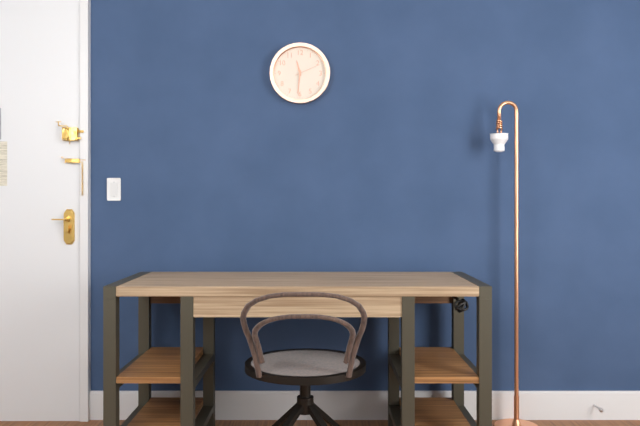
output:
11.31
